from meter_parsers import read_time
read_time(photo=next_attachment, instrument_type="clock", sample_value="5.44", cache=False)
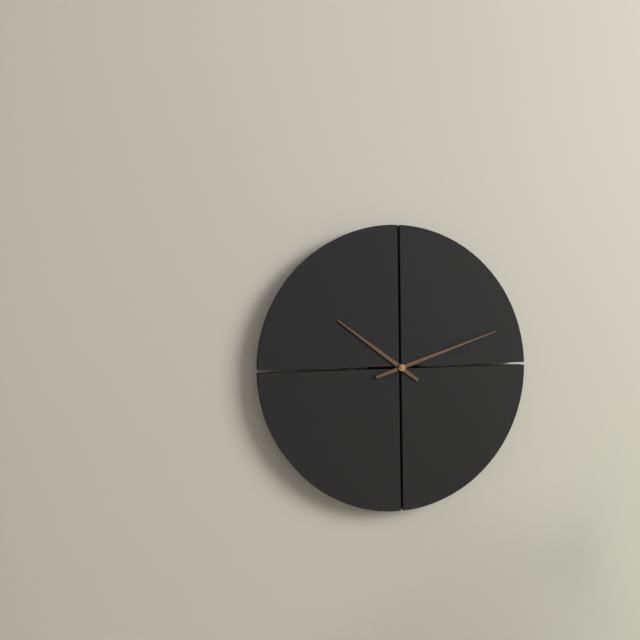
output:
10.12
